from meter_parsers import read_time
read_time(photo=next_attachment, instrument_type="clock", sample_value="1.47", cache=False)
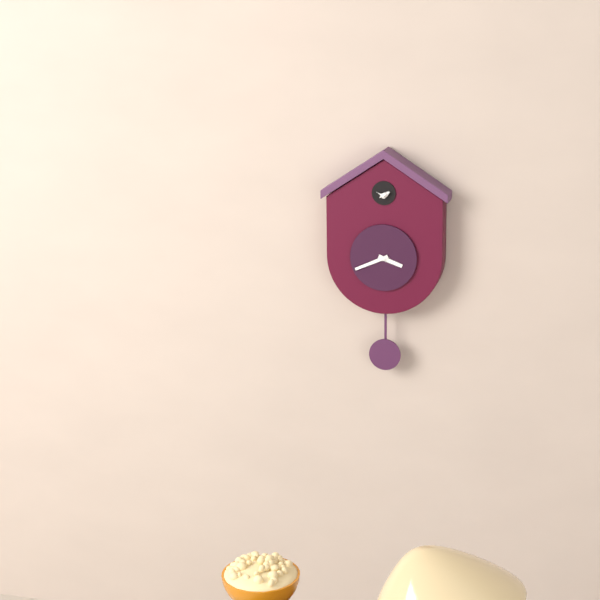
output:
3.41
